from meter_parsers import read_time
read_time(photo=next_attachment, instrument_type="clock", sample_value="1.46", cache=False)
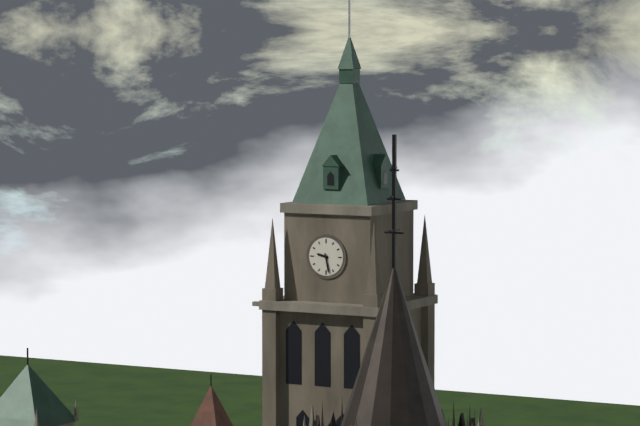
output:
9.28
